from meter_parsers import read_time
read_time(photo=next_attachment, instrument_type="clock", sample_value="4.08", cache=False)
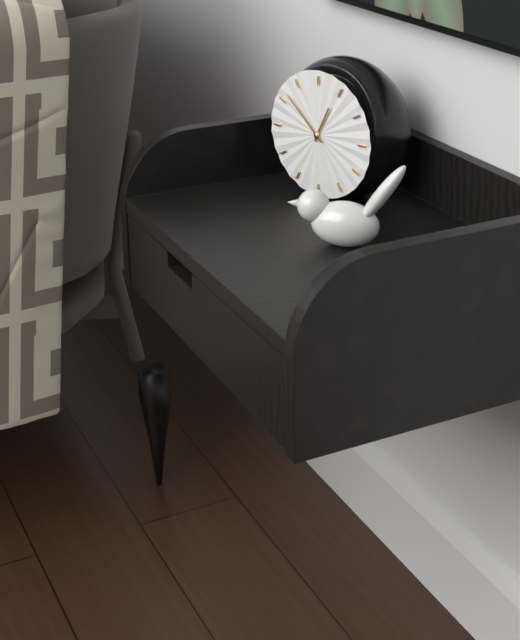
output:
12.52
